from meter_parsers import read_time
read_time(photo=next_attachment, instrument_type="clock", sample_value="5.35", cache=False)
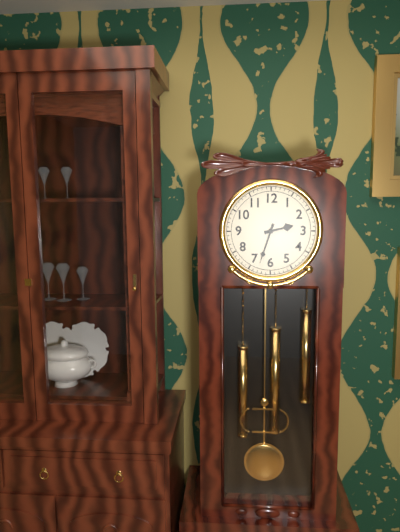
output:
2.33
